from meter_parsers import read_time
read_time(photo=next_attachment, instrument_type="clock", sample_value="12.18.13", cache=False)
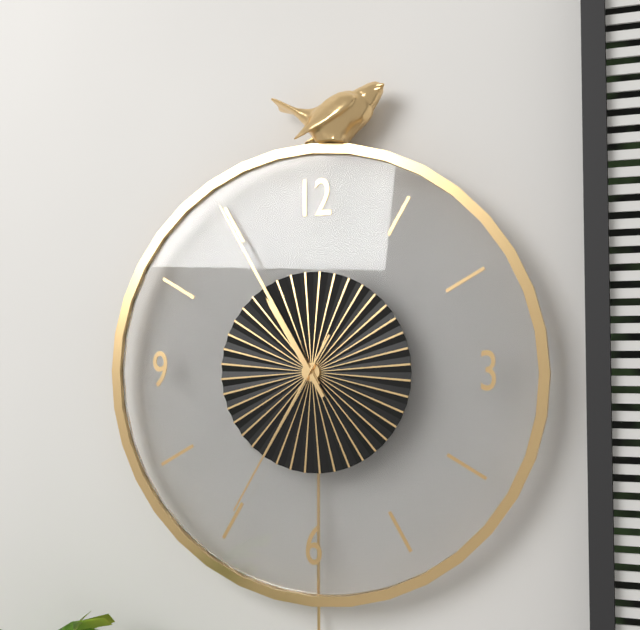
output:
10.55.35
